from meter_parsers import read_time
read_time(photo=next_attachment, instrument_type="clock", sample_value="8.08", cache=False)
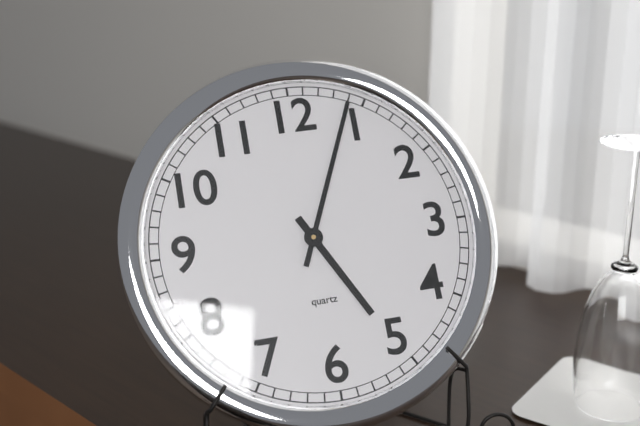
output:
5.04
